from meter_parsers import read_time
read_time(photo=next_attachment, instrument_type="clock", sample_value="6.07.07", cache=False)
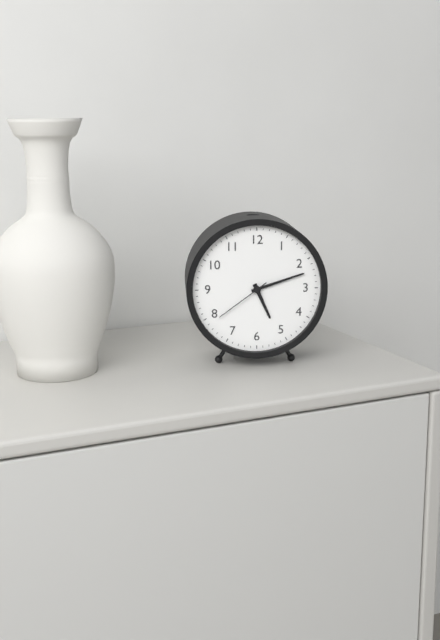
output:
5.12.39
